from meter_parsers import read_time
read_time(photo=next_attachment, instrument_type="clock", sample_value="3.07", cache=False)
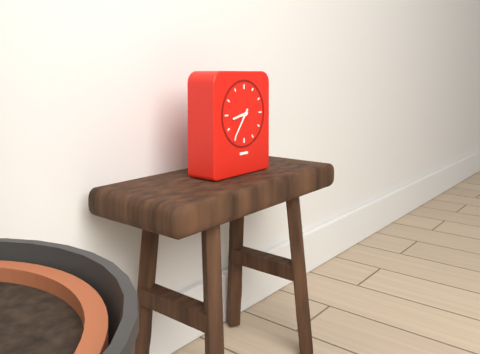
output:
8.36
